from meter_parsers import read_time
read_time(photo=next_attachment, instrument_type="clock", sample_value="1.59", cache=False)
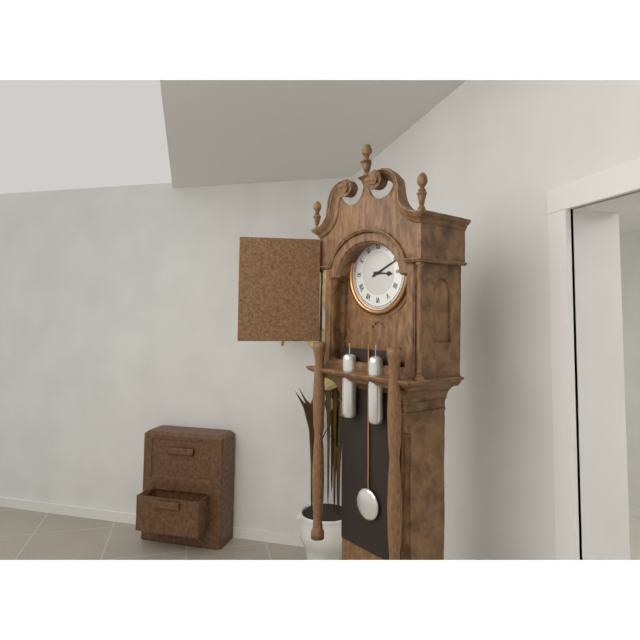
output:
3.11
